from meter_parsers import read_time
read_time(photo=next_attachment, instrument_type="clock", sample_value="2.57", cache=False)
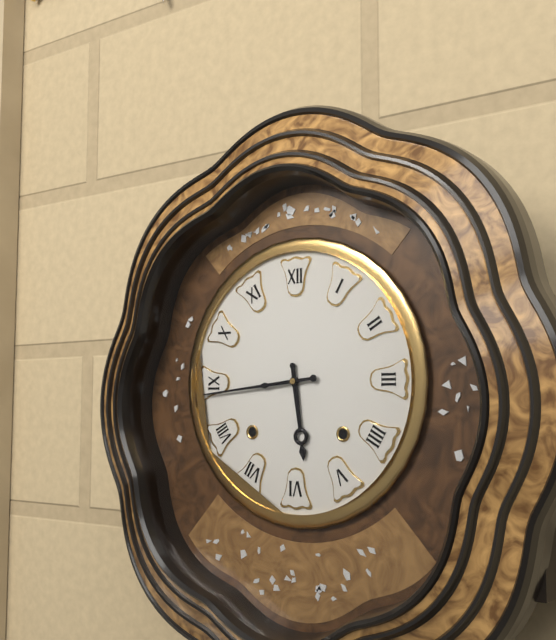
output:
5.44
